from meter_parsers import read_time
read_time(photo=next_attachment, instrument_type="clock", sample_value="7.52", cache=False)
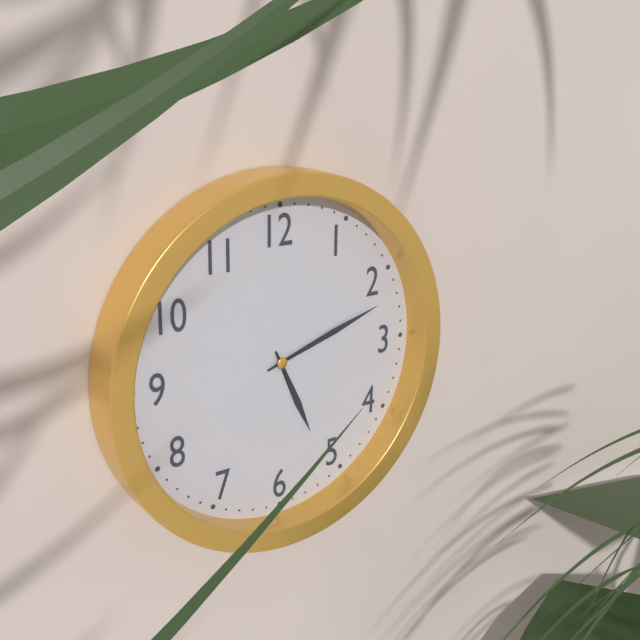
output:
5.12
